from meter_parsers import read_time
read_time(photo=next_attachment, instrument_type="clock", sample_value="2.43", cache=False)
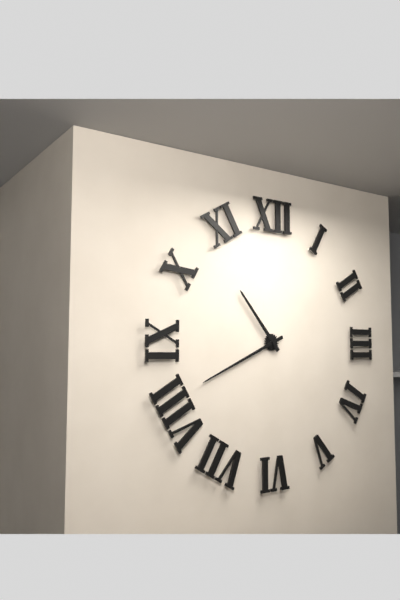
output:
10.41
